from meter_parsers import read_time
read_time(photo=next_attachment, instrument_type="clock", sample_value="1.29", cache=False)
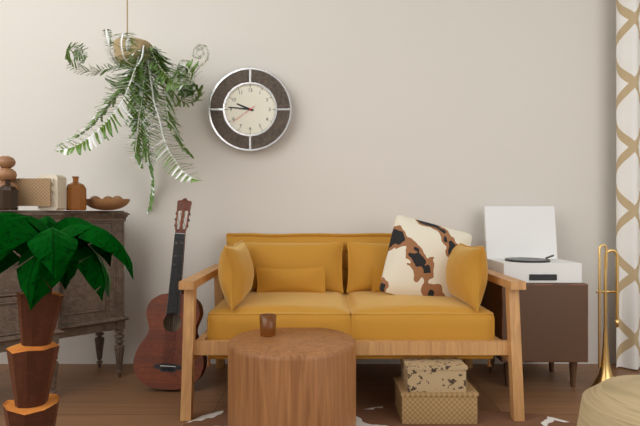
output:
9.46
